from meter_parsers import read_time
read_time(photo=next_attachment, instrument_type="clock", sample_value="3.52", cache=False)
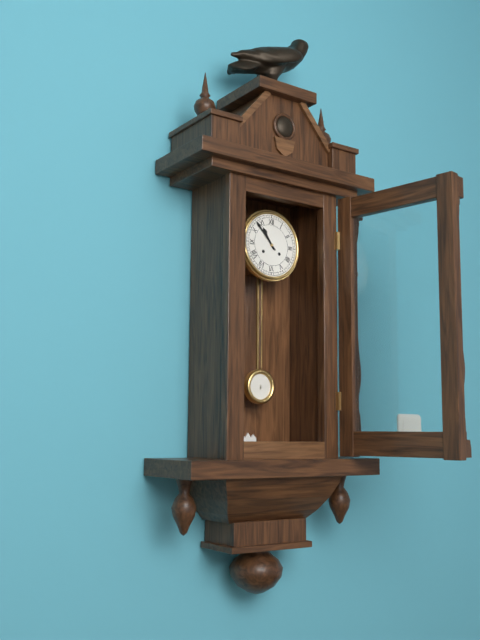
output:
10.53
